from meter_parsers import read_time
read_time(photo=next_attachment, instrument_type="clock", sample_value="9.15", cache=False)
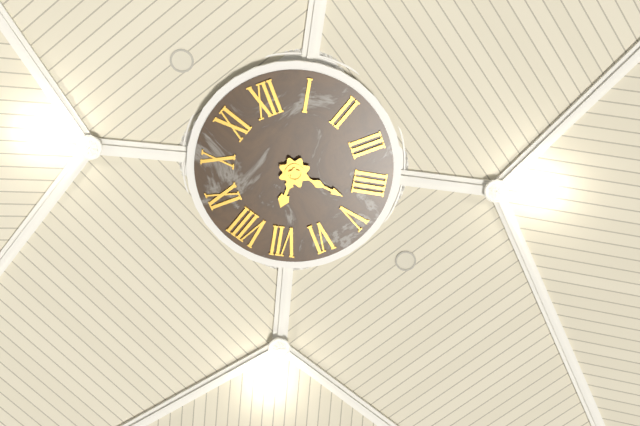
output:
7.23
